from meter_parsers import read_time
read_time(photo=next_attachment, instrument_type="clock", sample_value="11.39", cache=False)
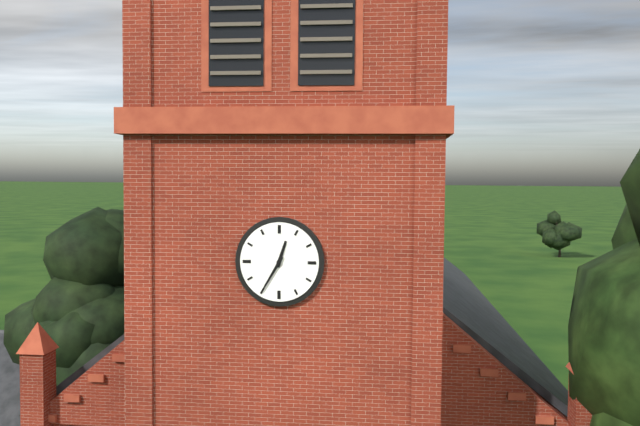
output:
12.35
